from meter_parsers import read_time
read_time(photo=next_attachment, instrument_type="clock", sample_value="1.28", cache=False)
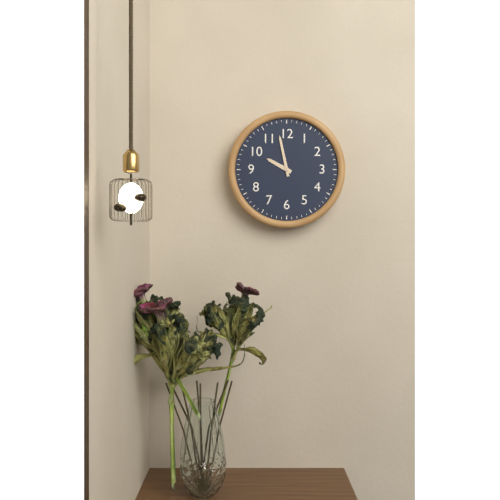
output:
9.58
